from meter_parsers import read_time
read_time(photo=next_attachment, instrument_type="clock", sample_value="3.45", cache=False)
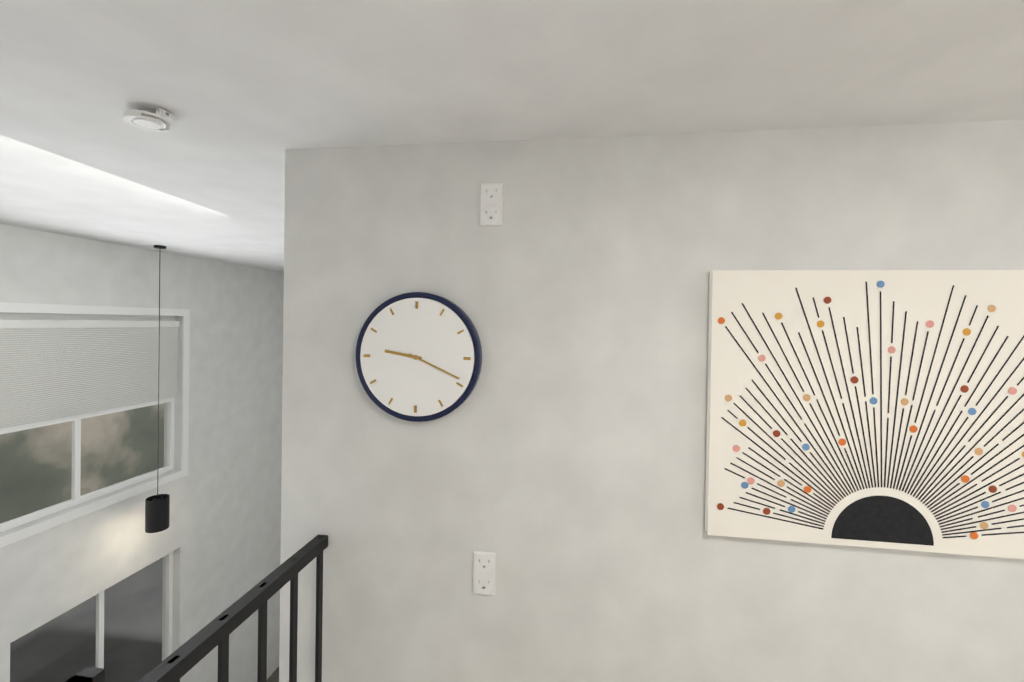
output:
9.19
